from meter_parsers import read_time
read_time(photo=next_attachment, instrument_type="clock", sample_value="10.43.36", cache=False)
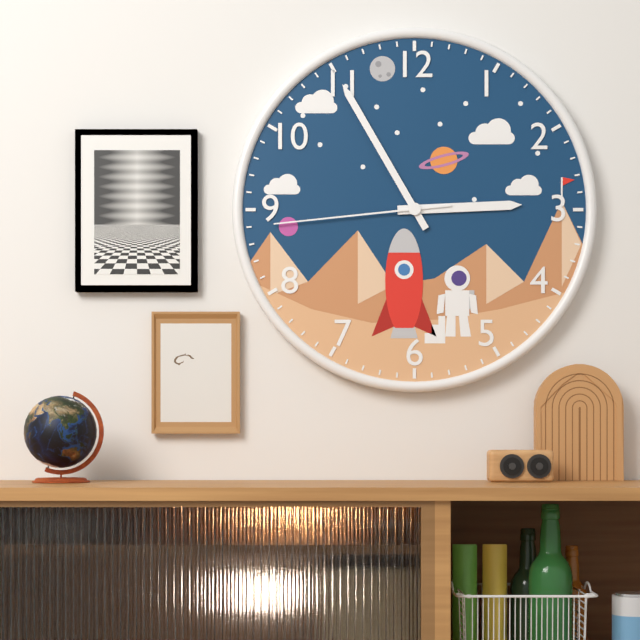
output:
2.55.44
